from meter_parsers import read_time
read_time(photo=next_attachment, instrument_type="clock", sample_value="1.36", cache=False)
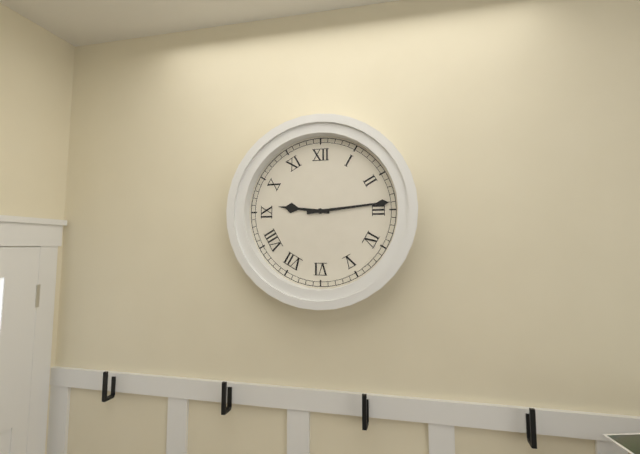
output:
9.14
